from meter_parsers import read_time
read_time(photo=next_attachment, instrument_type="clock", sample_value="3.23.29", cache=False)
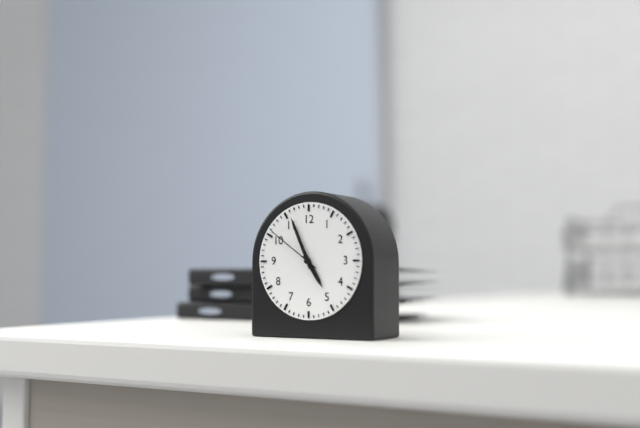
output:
4.56.51
